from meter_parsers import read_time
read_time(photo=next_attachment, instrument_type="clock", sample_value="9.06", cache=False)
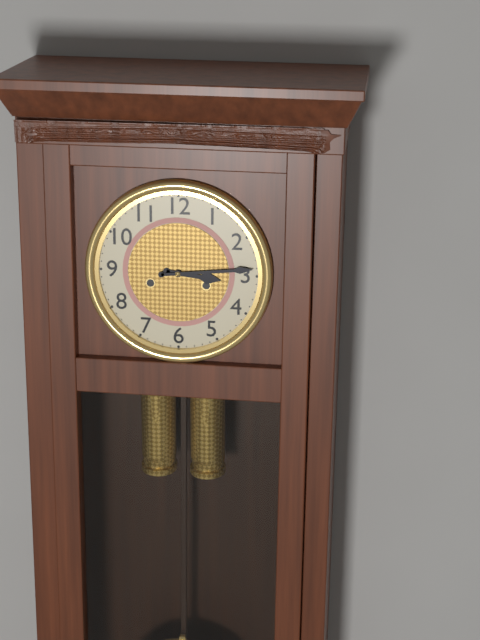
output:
3.14
